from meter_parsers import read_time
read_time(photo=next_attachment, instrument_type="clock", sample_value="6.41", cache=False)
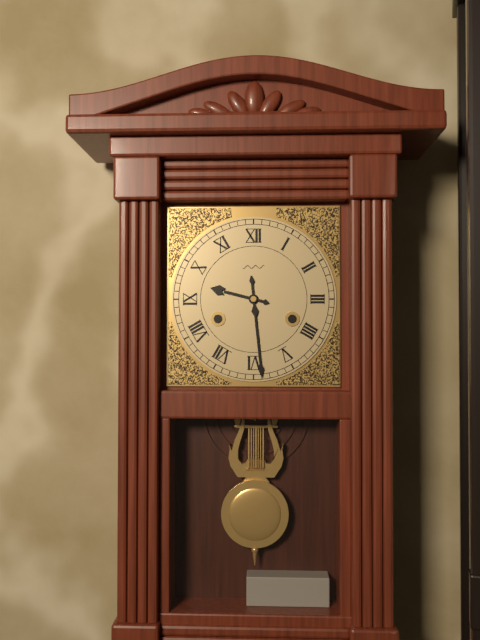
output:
9.29
